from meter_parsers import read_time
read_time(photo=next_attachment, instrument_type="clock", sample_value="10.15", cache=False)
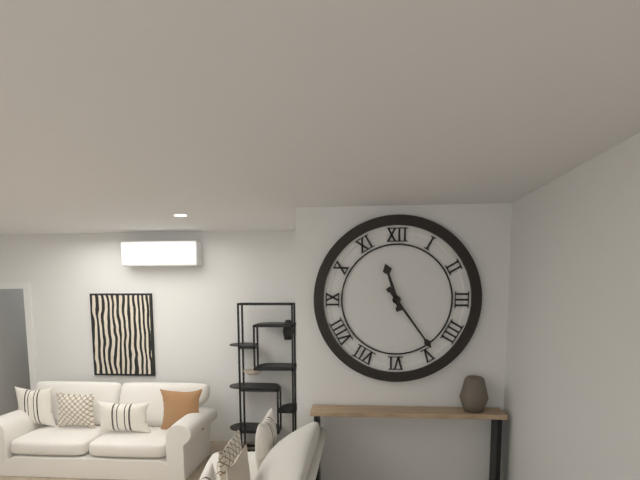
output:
11.24
